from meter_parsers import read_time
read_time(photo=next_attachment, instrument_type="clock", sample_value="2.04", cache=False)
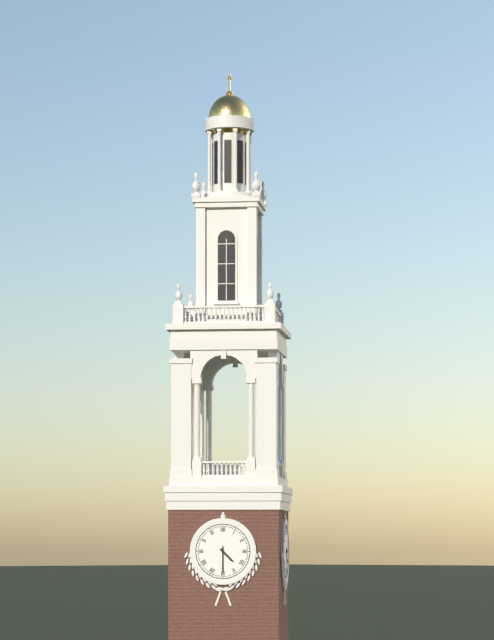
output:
4.30
